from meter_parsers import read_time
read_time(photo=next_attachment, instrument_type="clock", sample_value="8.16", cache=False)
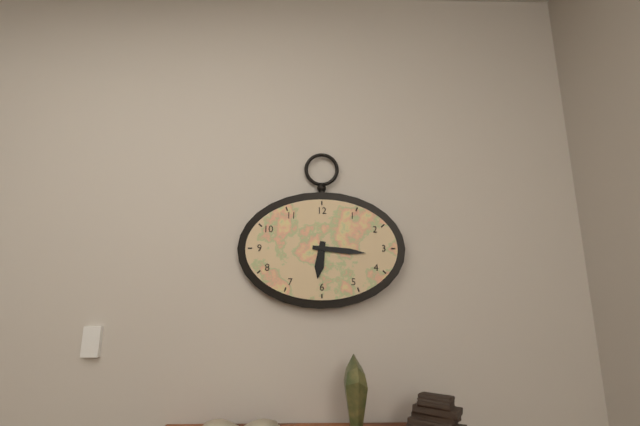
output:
6.16
